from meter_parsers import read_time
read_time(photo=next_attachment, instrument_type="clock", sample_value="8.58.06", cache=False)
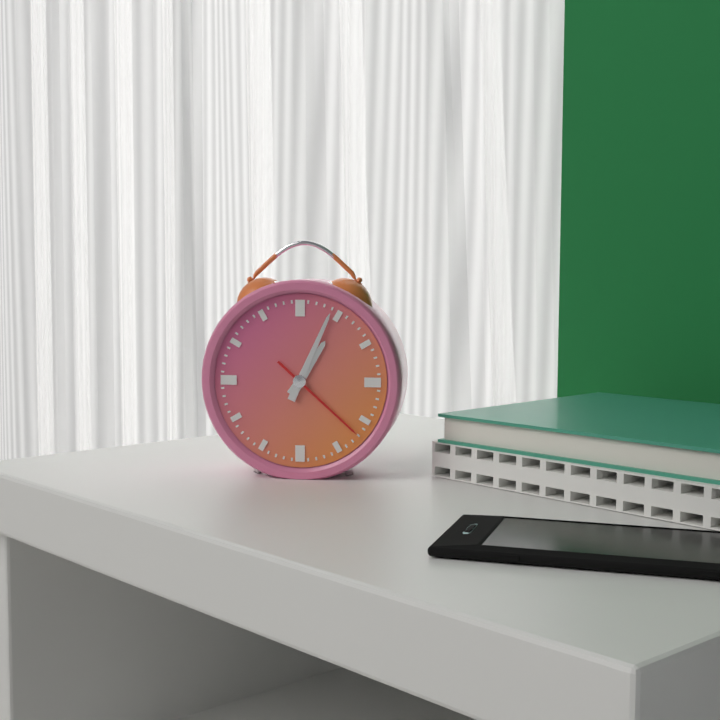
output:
1.04.22
